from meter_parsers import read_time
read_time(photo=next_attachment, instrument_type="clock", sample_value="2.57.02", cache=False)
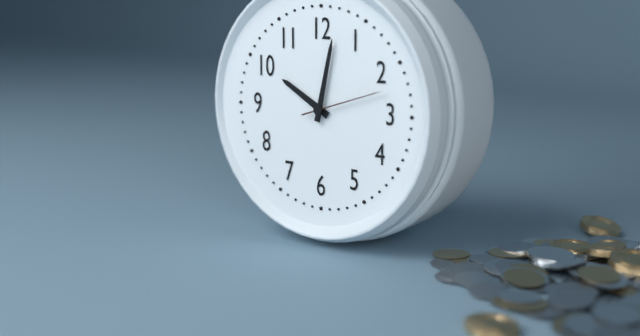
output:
10.02.12
